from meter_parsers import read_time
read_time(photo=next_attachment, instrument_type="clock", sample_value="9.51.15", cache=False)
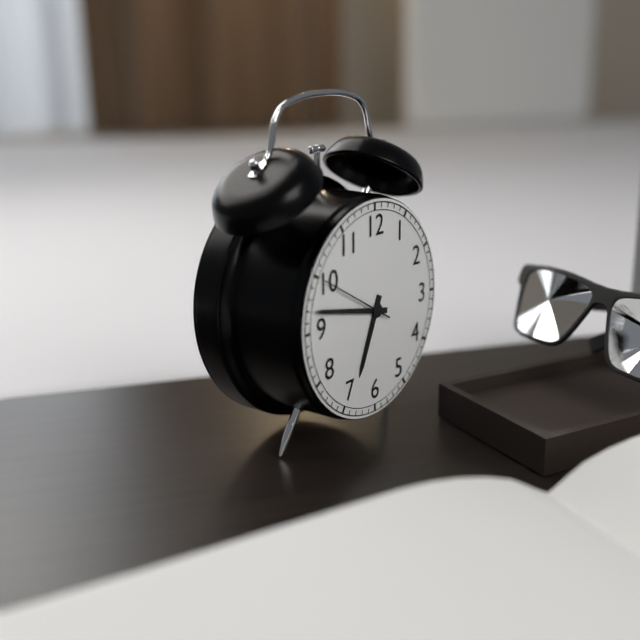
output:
6.47.50
